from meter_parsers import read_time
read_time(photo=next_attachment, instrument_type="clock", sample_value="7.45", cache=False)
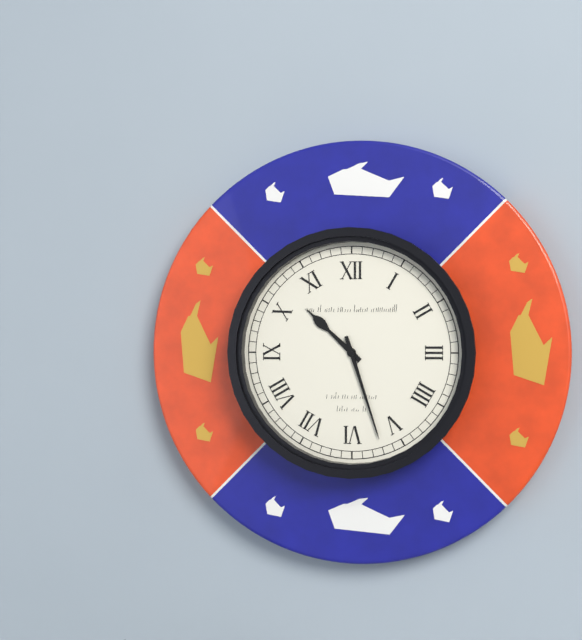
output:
10.27
